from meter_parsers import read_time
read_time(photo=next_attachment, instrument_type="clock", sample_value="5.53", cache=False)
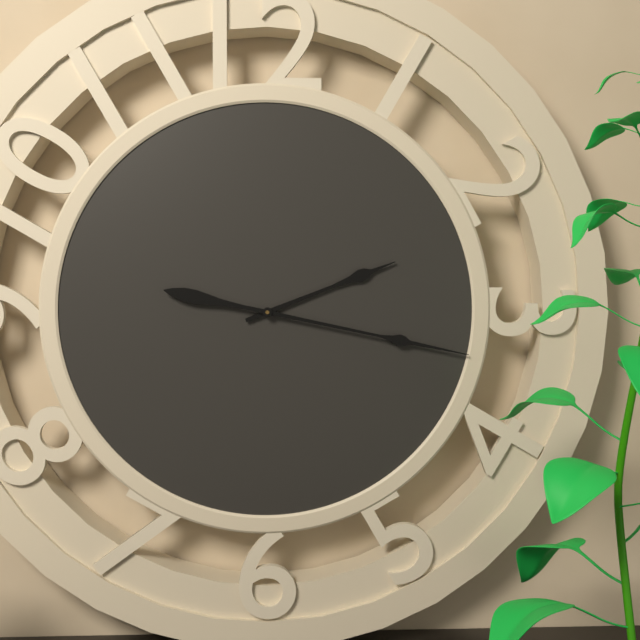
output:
2.17
